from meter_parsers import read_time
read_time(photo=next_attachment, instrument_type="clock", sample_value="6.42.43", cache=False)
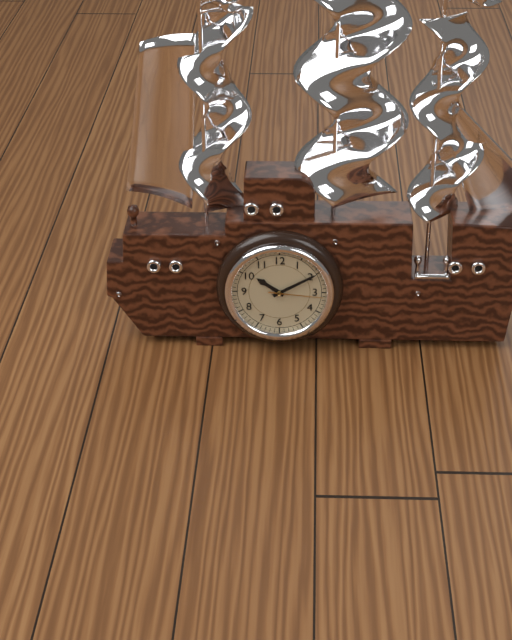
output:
10.10.16
